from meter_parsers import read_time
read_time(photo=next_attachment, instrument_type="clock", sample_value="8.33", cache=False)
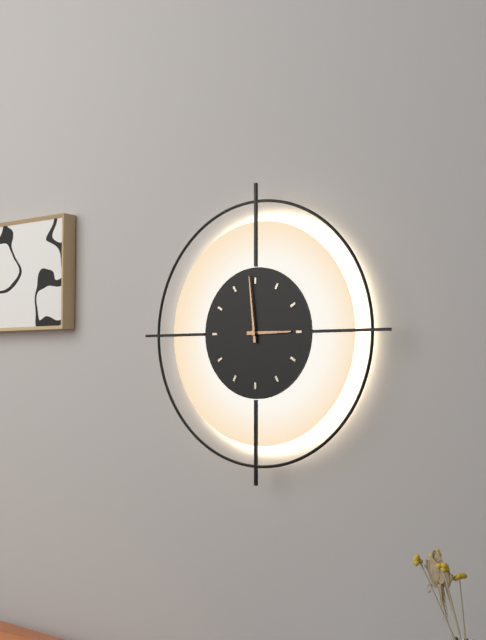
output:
2.59
